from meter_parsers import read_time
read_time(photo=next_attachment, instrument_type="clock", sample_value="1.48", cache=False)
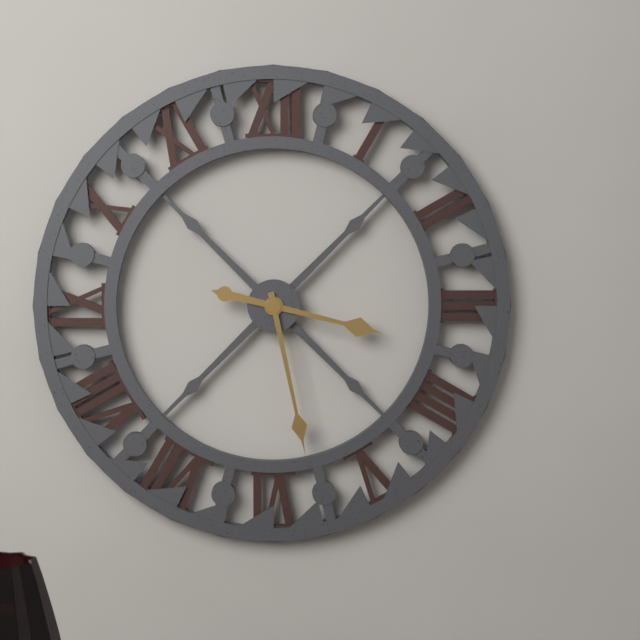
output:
3.28
